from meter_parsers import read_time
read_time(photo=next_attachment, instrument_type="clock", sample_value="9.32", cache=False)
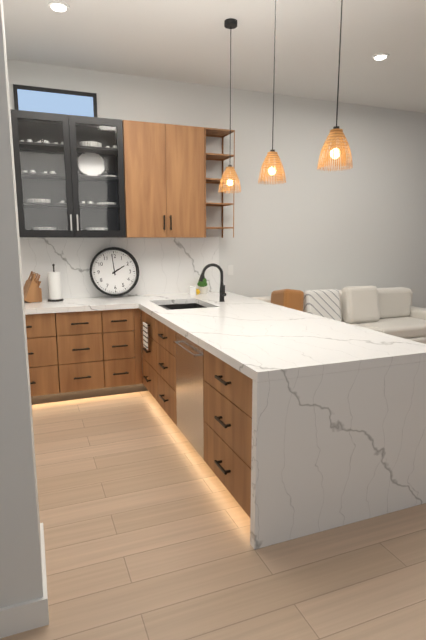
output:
1.59
